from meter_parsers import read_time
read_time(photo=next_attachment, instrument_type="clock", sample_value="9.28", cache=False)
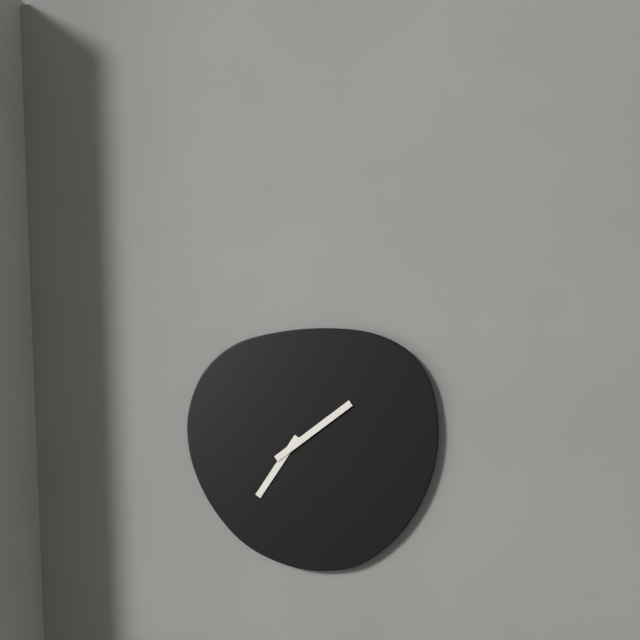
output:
7.09
